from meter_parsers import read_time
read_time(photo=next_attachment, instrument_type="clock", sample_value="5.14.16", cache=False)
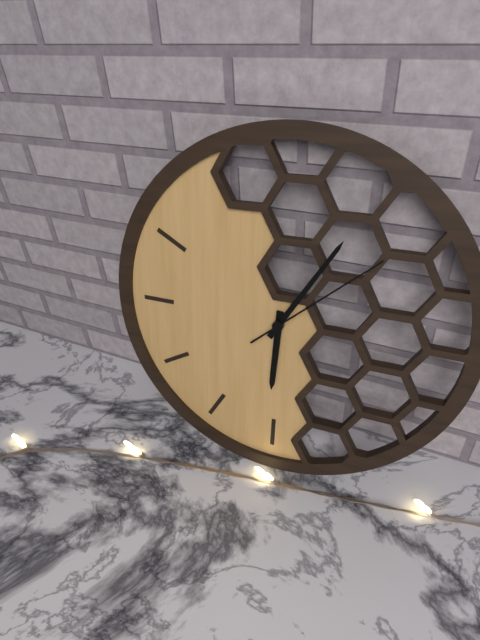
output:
6.05.08
